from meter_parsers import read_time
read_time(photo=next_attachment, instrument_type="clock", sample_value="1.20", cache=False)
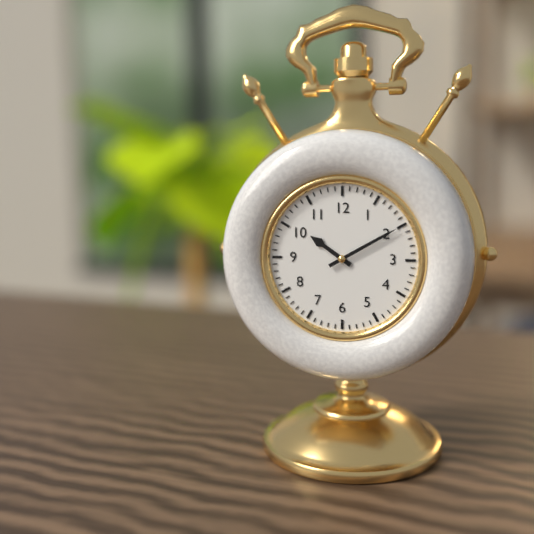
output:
10.10
